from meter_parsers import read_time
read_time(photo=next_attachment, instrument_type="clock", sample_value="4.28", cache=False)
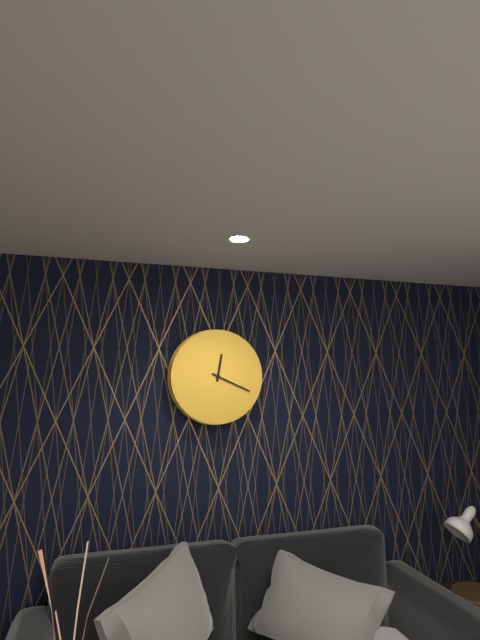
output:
12.19
